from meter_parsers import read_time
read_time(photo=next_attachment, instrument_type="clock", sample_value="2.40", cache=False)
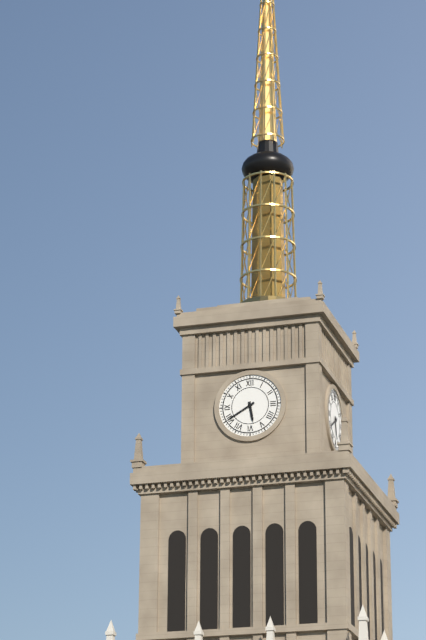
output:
5.40
